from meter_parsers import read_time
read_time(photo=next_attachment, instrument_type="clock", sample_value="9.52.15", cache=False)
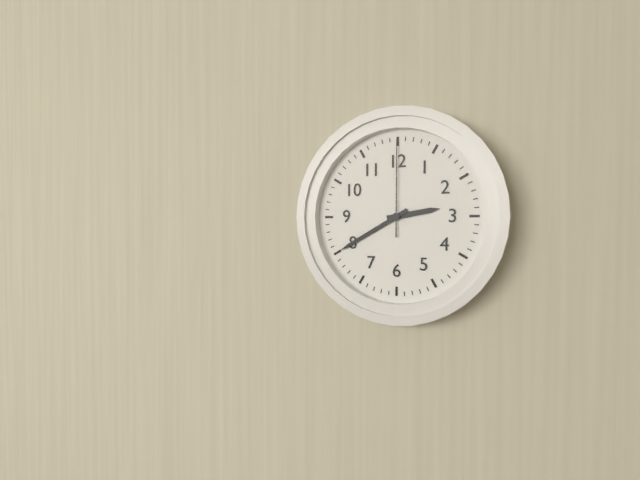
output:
2.40.00
